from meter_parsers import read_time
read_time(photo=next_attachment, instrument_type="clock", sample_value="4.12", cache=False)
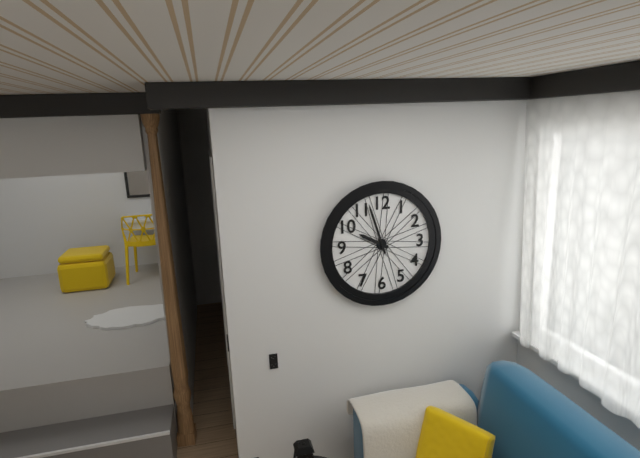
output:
9.57
